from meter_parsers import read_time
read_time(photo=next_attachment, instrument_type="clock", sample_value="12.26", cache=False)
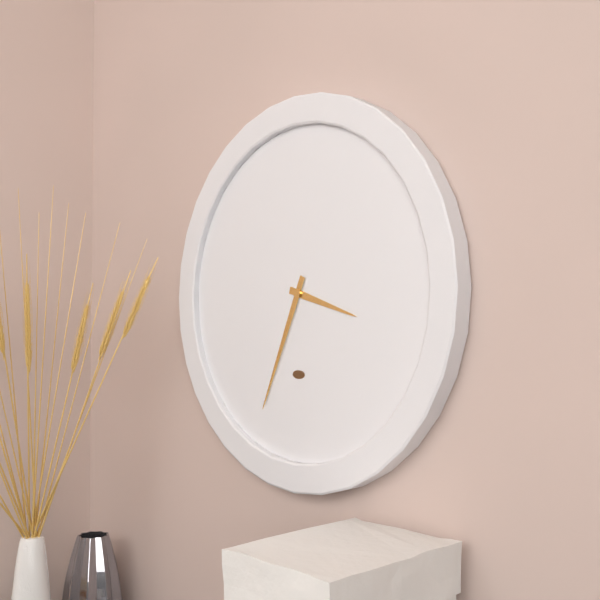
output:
3.34
